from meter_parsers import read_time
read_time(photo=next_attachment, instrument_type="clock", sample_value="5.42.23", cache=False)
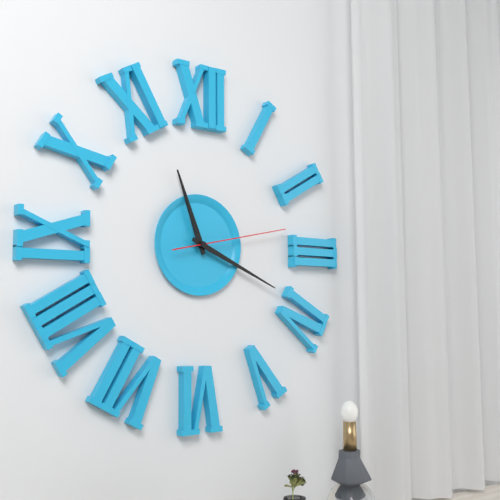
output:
11.19.13
